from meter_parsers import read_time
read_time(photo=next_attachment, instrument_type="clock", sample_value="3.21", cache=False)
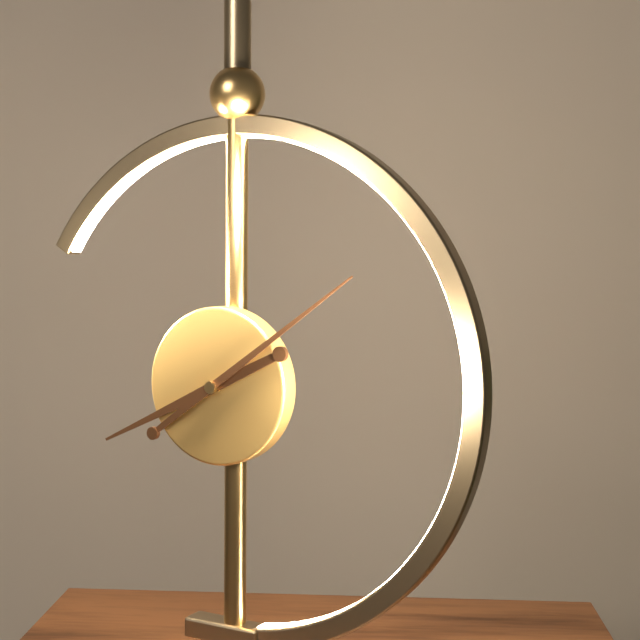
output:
8.09
